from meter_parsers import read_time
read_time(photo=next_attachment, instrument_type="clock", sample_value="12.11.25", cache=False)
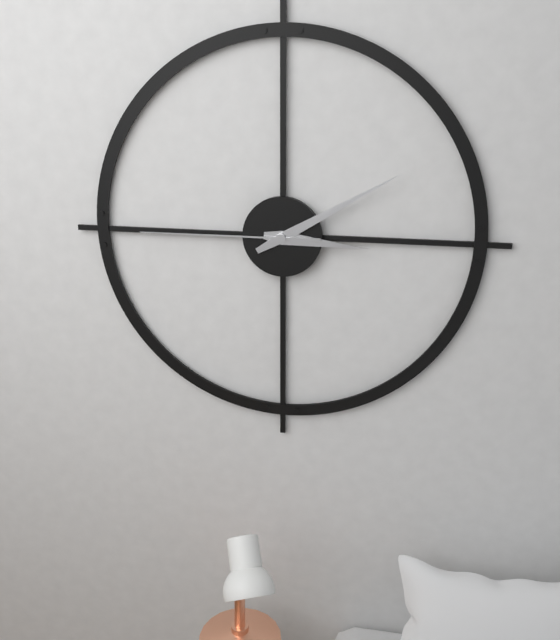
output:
3.10.45
